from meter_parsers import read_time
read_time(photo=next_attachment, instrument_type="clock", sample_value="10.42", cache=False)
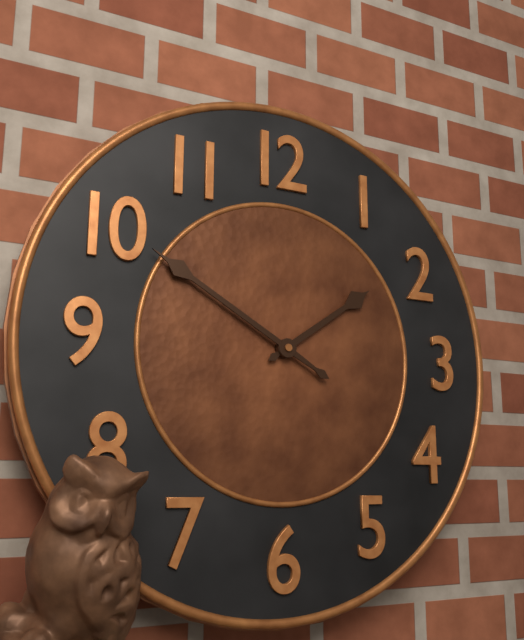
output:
1.50
